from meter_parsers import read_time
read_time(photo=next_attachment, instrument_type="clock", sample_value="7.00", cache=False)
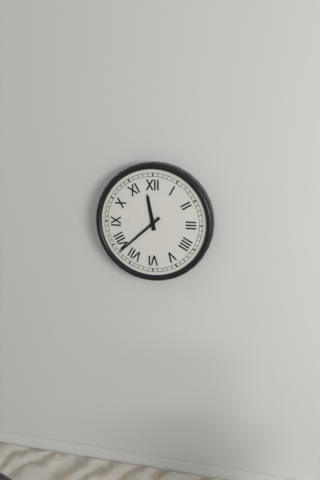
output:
11.38
